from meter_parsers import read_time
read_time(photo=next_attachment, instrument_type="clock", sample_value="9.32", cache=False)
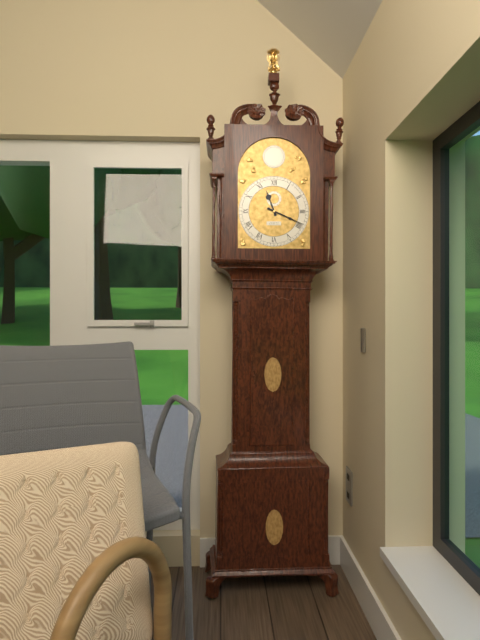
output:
11.19
